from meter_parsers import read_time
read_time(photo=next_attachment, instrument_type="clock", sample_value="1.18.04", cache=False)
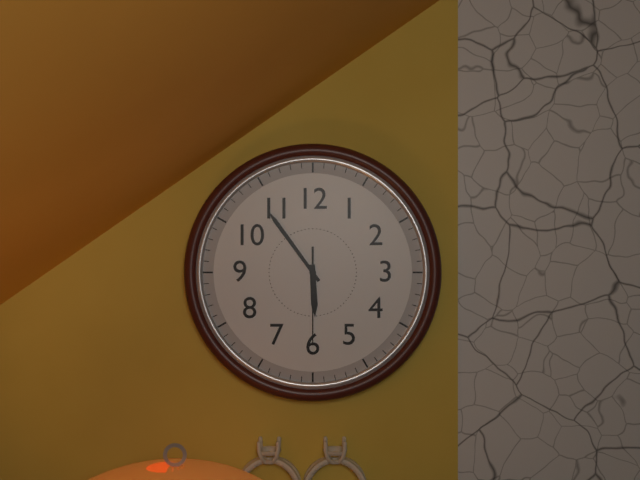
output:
5.54.30
